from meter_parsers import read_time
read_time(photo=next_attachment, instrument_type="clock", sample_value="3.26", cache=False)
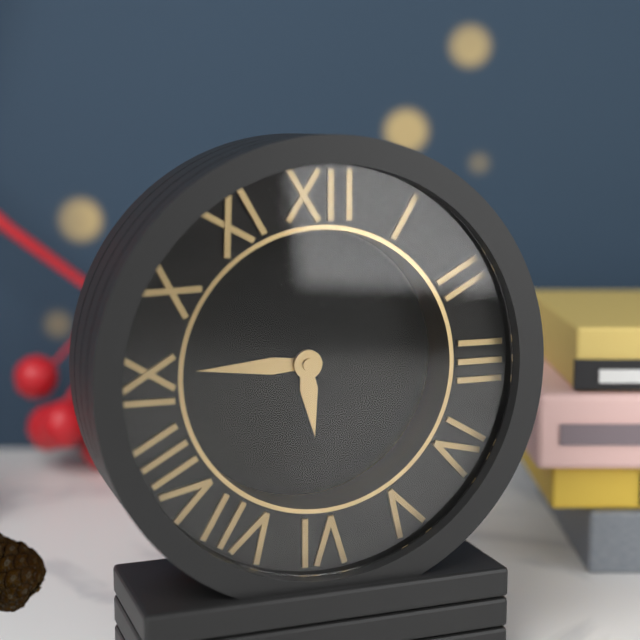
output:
5.45
